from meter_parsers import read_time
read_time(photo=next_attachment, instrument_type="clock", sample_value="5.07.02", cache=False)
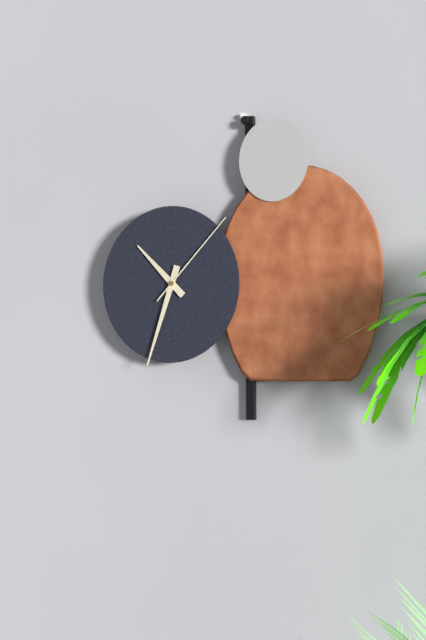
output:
10.33.07
